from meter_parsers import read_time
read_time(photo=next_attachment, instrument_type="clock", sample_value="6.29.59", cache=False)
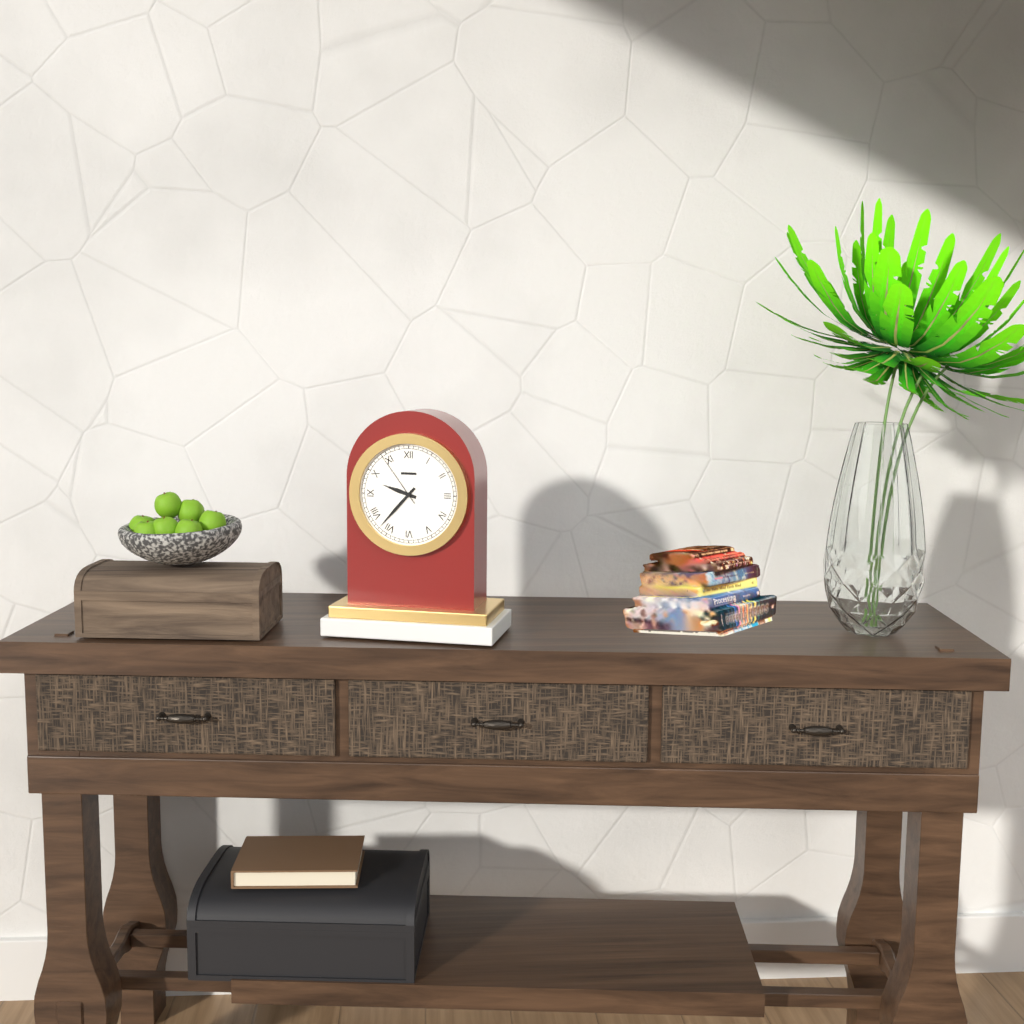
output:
9.37.54
